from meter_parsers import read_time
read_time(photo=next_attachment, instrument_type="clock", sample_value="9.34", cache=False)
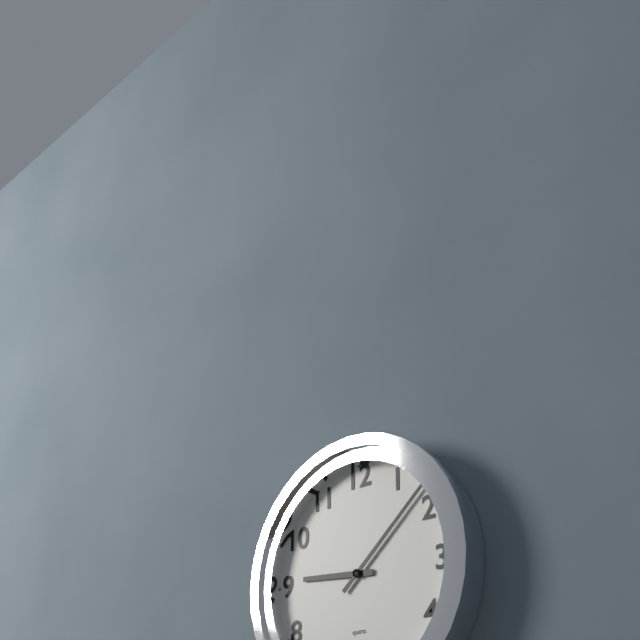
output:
9.08
